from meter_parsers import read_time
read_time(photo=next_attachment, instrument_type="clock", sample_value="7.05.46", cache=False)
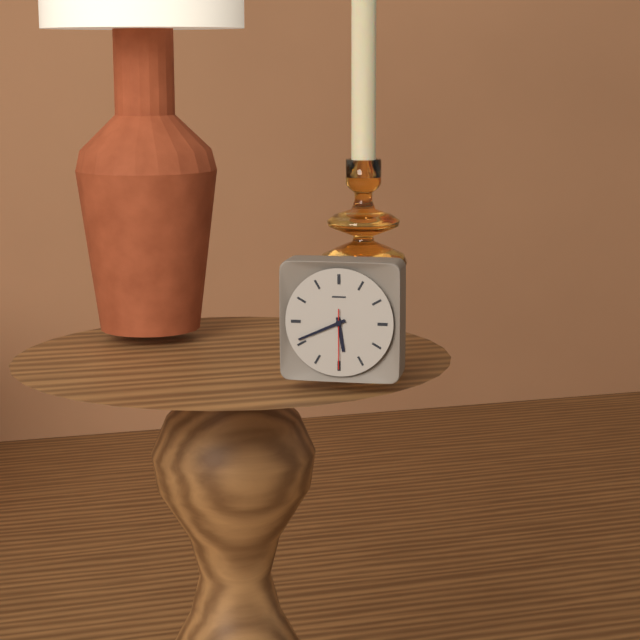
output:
5.41.30
